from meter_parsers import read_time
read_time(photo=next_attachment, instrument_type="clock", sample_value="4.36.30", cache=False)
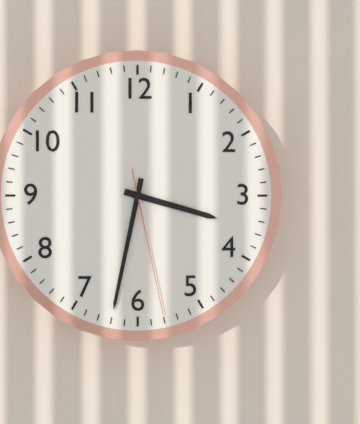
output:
3.32.28
